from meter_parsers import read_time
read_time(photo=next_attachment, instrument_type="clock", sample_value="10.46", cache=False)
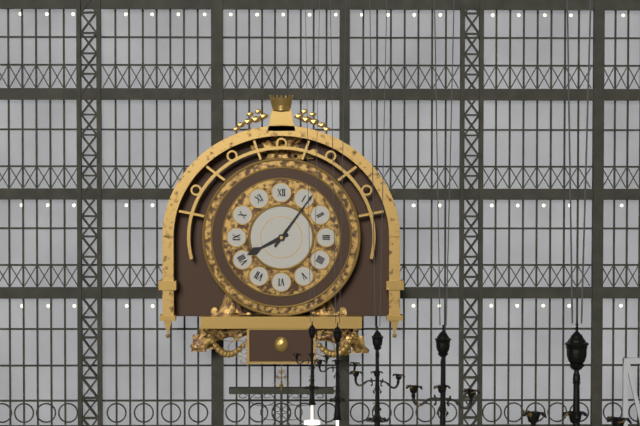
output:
8.06
